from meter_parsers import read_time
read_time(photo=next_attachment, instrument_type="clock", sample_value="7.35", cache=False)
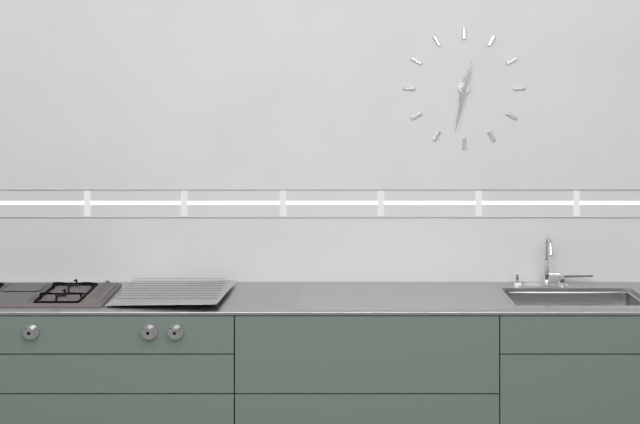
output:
12.32
